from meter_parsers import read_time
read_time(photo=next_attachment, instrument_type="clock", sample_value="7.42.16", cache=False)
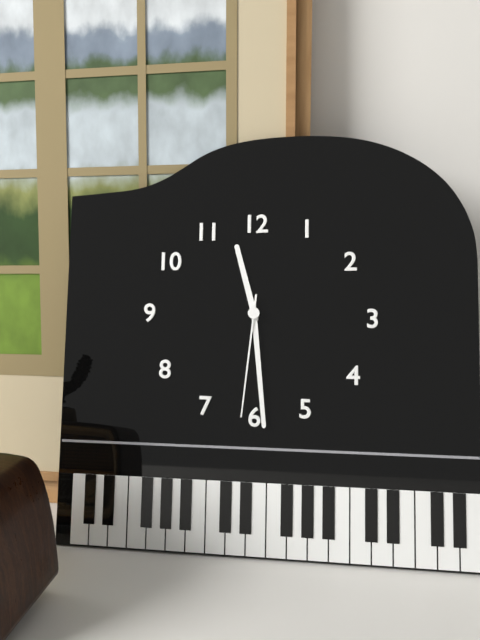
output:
11.29.31
